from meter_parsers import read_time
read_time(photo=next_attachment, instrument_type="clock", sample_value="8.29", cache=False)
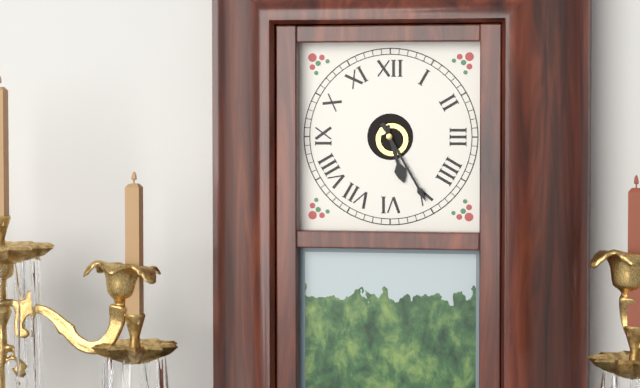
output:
5.25
